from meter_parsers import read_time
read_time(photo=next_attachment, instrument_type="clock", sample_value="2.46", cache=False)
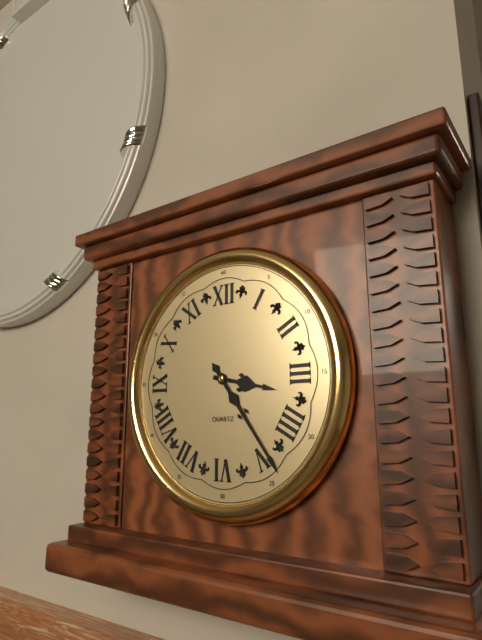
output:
3.24
